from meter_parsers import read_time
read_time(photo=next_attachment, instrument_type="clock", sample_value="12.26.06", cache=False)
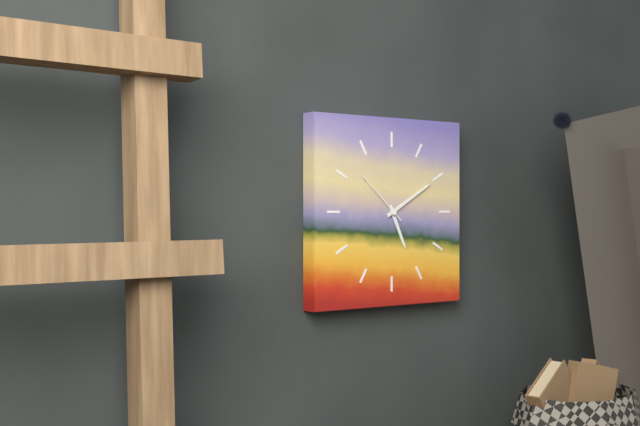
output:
5.10.52
